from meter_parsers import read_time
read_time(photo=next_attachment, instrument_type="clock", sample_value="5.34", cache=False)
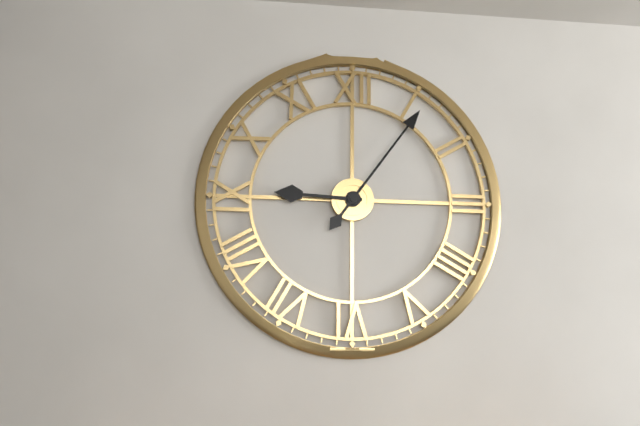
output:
9.06
